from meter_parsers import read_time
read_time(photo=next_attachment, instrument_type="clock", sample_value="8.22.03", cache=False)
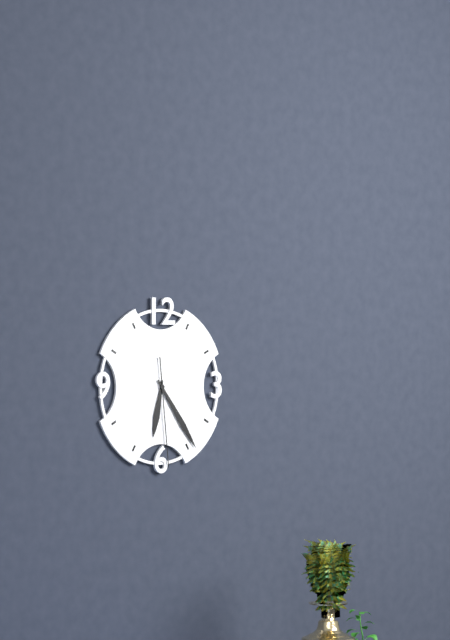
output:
6.24.29
